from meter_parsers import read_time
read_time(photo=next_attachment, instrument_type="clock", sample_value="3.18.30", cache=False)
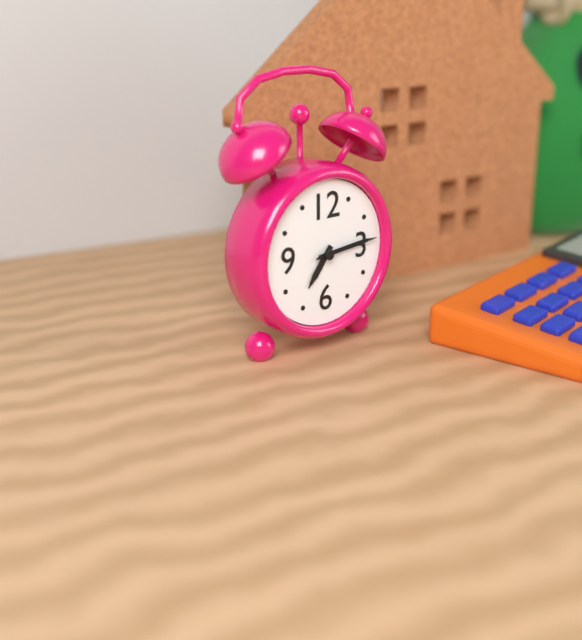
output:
7.14.14
